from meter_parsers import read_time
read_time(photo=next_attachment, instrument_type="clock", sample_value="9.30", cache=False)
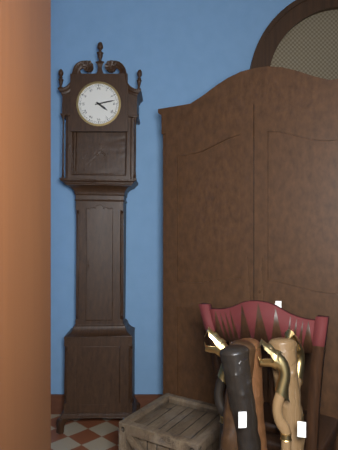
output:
4.13
